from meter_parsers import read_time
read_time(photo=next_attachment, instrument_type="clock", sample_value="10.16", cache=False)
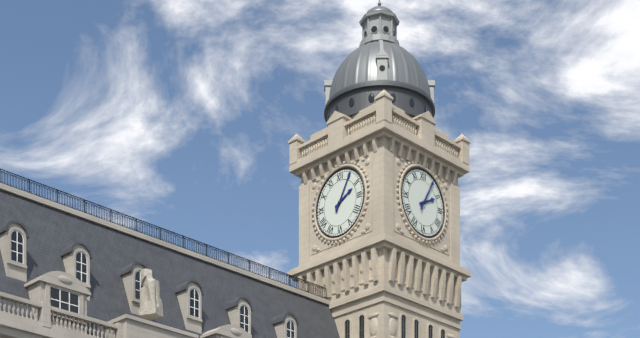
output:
2.05
